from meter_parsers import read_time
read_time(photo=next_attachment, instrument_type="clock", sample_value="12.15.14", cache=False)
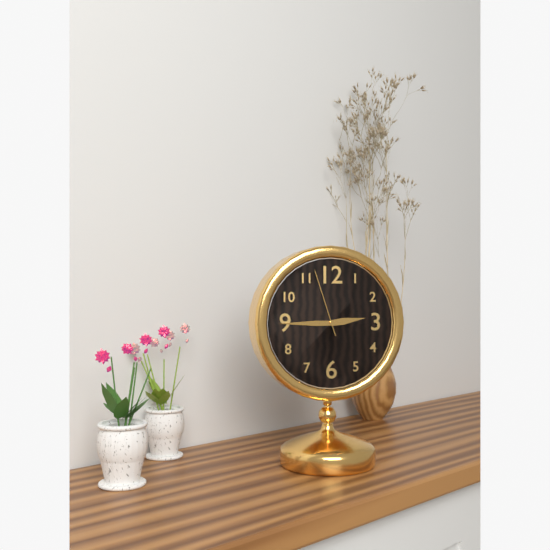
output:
2.45.57
